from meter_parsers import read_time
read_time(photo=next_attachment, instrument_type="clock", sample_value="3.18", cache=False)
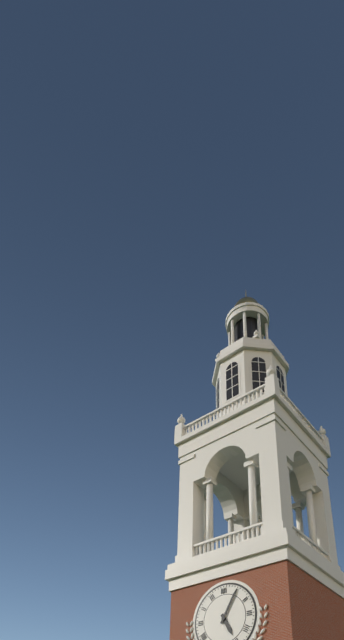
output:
5.05
